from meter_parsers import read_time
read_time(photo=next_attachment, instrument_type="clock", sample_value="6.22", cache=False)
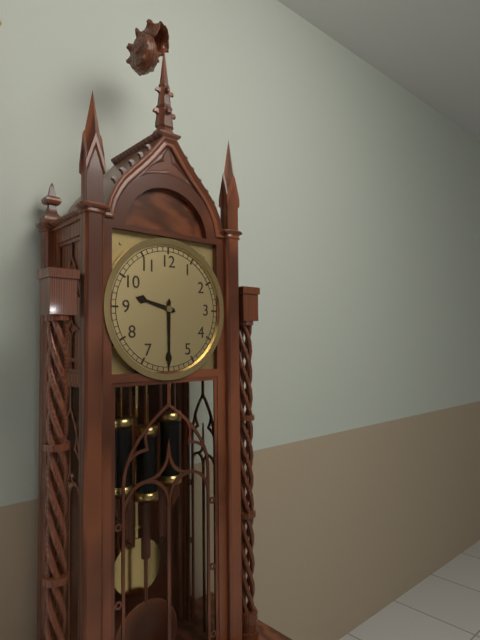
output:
9.30
